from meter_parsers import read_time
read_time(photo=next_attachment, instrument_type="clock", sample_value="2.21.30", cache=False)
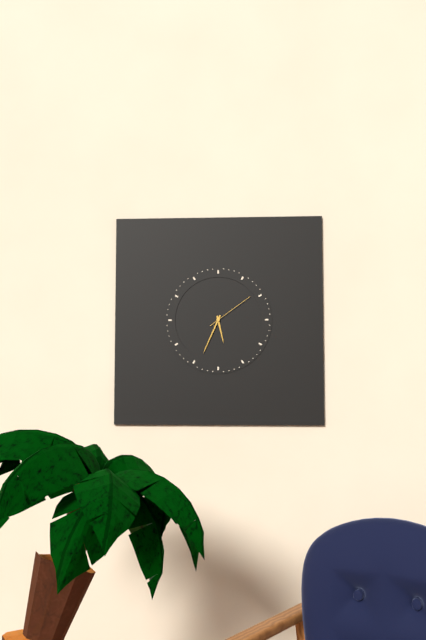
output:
5.34.09
